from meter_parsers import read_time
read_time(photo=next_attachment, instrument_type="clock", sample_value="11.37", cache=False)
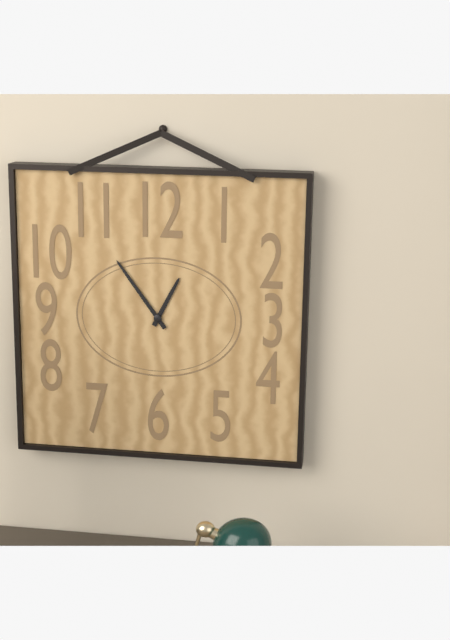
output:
12.54
